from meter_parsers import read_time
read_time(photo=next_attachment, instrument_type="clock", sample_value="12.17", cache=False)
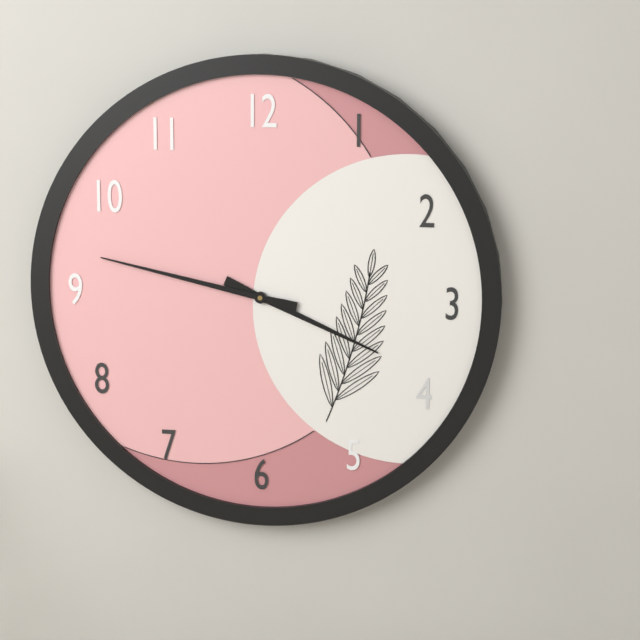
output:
3.47
